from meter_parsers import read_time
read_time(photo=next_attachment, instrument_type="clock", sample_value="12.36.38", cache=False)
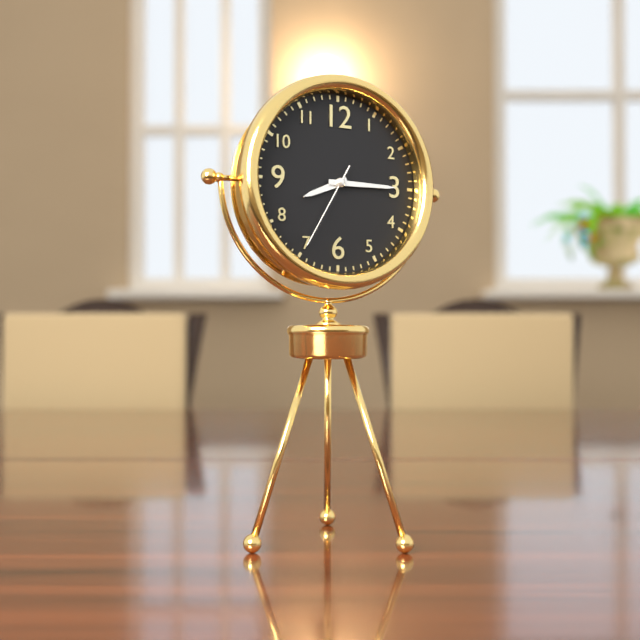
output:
8.15.35
